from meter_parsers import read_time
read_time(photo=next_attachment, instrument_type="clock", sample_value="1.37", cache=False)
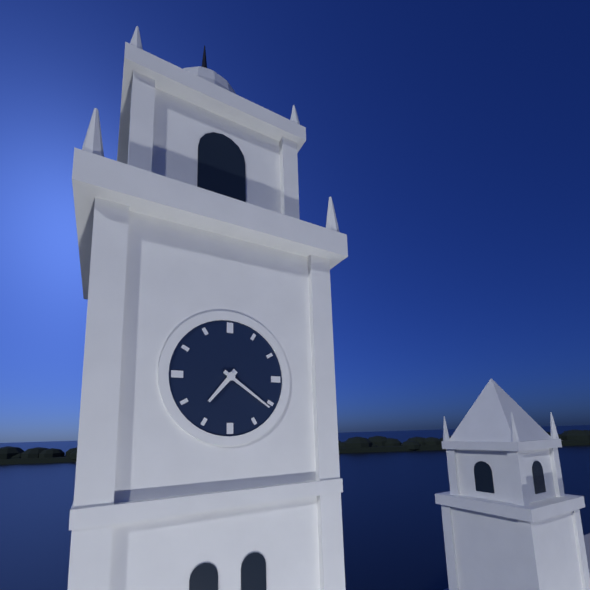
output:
7.21
